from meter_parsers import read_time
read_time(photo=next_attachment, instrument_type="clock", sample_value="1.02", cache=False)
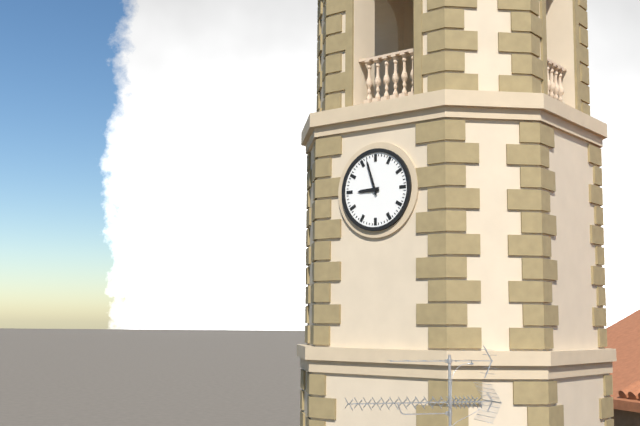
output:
8.57
